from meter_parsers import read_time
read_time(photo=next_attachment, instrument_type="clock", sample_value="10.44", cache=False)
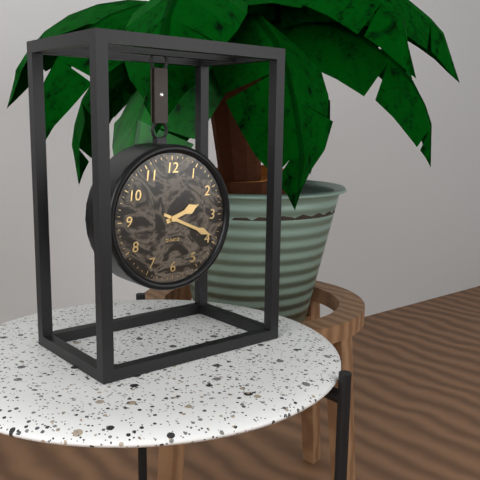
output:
2.19
